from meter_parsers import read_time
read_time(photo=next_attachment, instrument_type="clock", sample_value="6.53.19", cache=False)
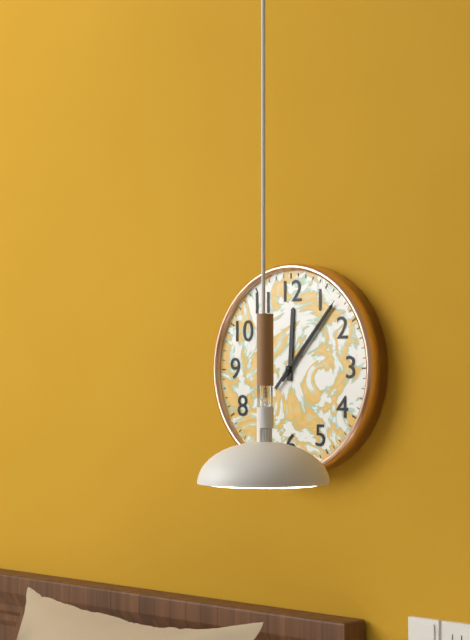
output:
12.07.07
